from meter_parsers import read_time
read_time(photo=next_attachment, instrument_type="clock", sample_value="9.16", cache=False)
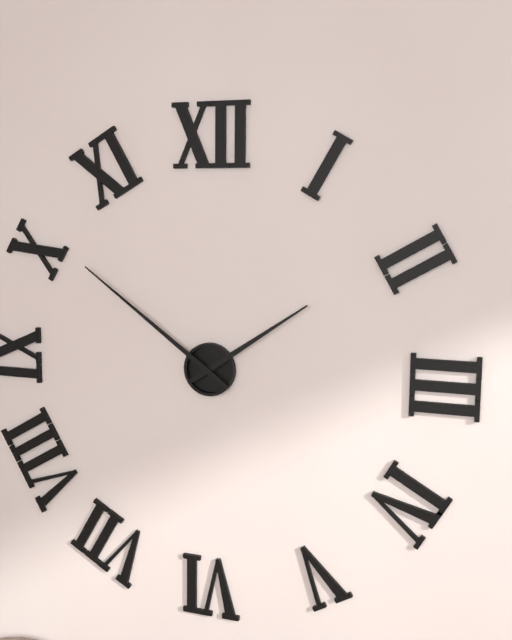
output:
1.51
